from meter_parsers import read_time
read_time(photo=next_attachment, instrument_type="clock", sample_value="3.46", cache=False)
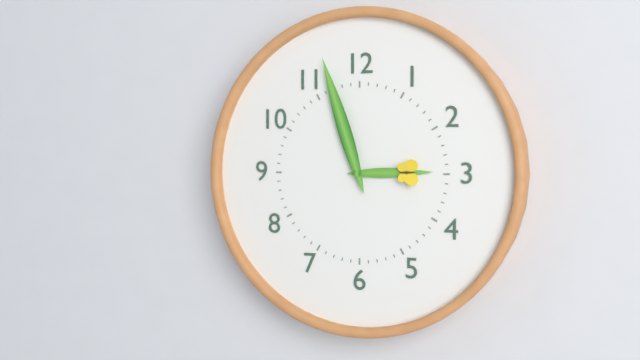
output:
2.57
